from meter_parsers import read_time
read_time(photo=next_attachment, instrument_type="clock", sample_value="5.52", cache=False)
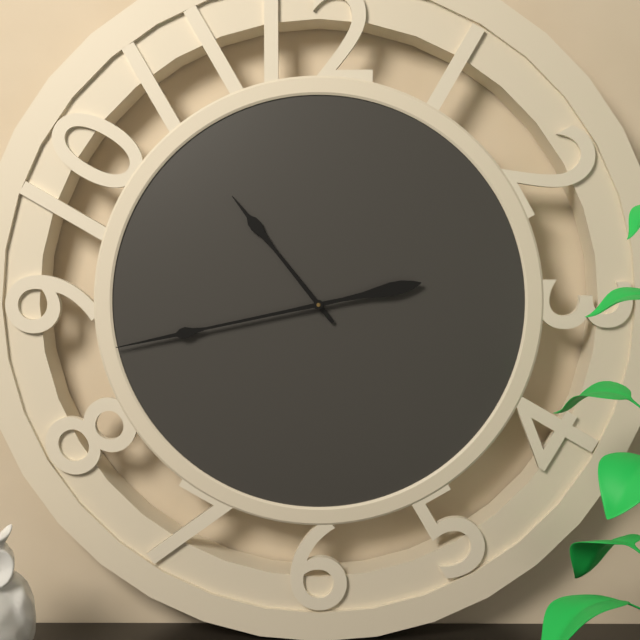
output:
10.43
